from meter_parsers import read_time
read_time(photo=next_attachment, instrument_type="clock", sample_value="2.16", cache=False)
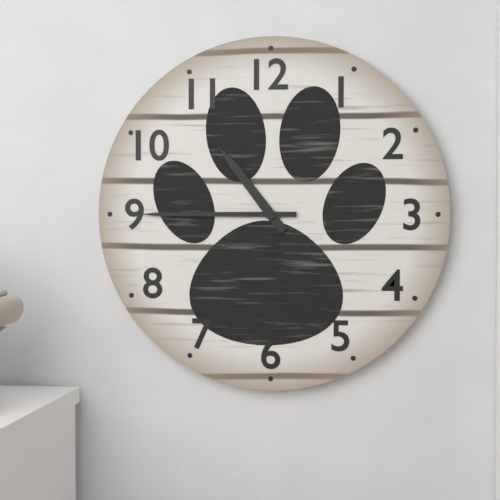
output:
10.45
